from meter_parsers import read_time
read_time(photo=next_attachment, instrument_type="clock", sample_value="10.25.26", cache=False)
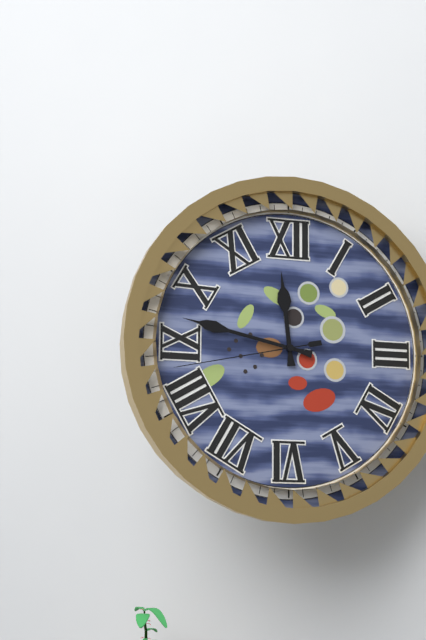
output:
11.47.43
